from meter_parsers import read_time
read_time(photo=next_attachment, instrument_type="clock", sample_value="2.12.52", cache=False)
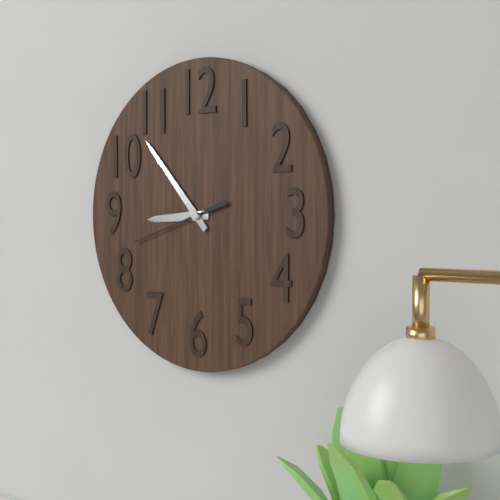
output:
8.53.42
